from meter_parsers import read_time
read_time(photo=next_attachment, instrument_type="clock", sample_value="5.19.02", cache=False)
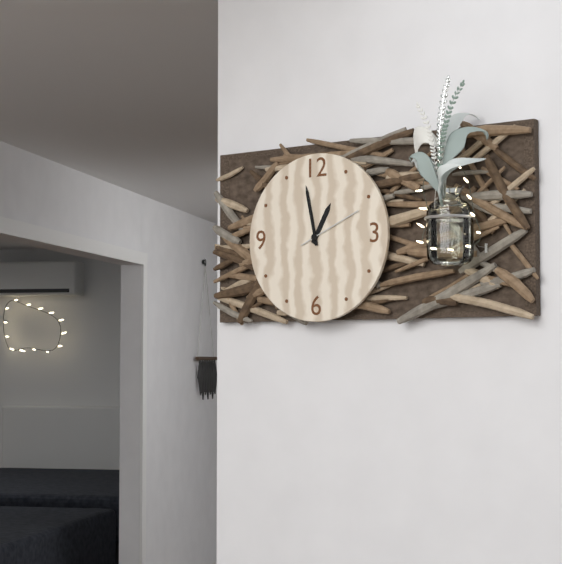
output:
12.58.11
